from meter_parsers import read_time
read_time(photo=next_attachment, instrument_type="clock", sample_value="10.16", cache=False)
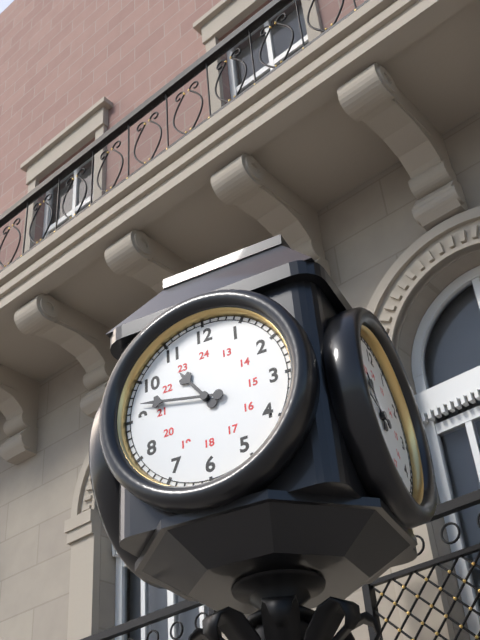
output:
10.47
